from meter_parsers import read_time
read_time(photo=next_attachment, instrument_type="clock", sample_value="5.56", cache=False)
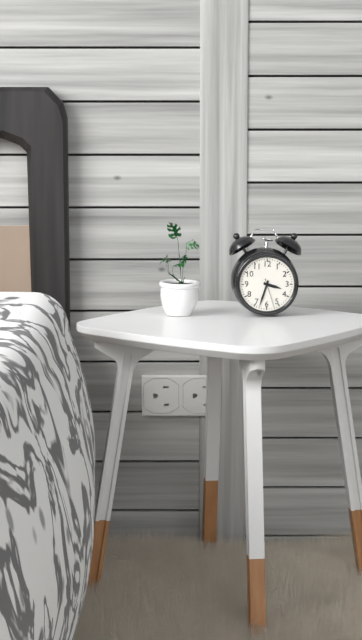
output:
3.33
